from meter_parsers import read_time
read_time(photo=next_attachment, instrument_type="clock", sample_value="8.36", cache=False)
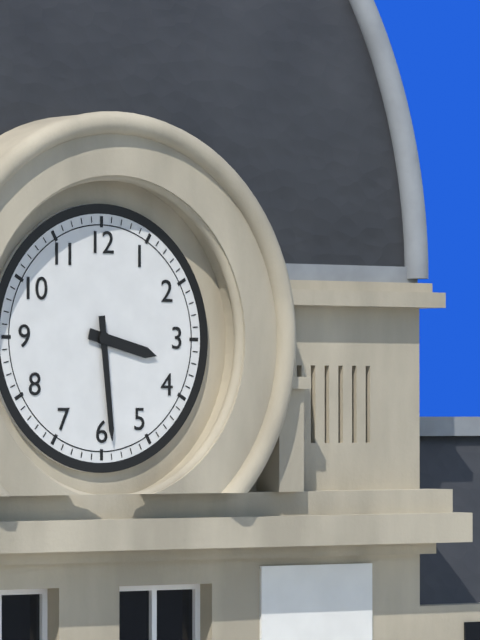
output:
3.29
